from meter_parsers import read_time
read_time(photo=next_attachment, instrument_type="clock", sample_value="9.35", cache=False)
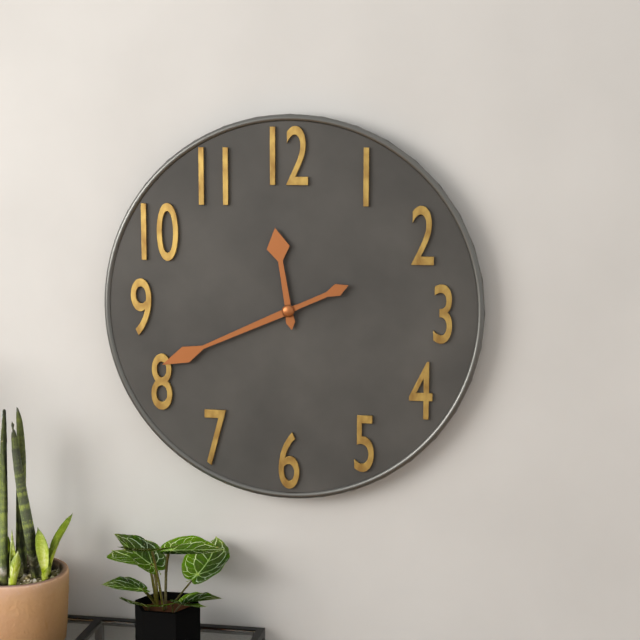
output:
11.41
